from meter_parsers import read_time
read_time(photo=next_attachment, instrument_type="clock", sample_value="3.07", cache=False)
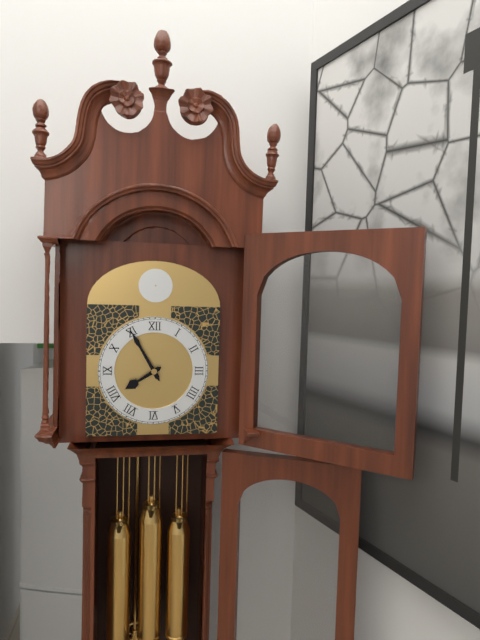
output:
7.55
